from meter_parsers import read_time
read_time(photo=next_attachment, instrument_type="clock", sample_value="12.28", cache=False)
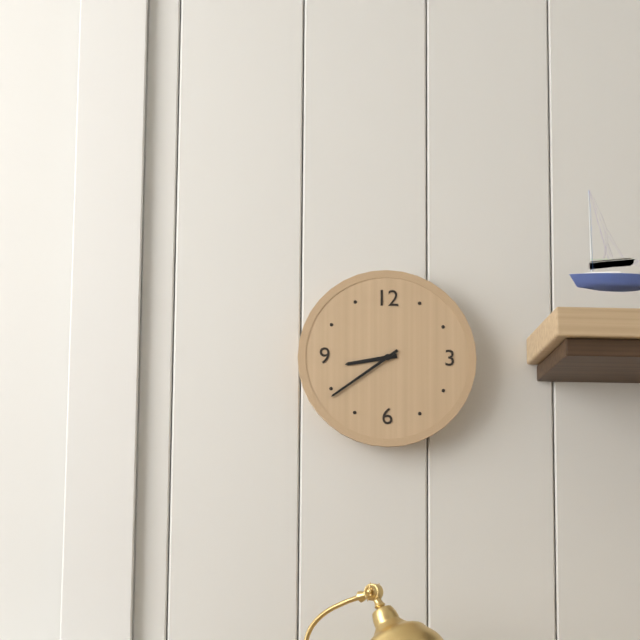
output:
8.39
